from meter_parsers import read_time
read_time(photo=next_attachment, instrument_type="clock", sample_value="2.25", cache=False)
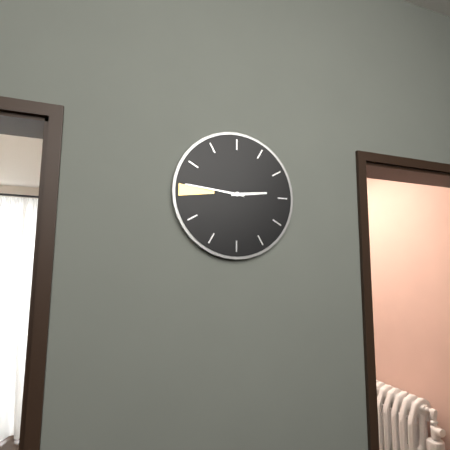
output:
2.46
